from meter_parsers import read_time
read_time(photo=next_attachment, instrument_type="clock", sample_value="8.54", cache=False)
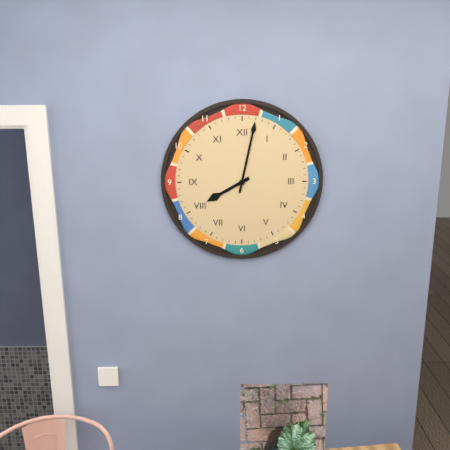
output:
8.02
